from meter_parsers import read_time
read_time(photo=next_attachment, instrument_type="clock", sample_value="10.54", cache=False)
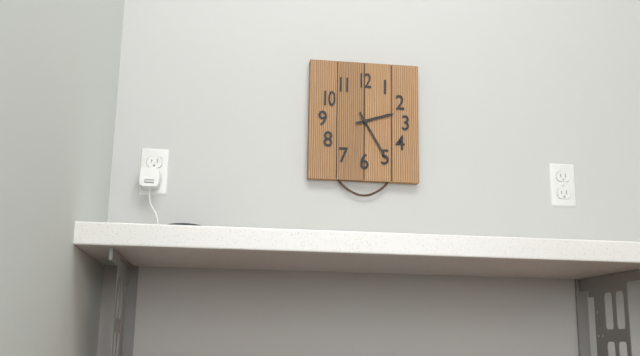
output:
2.25
